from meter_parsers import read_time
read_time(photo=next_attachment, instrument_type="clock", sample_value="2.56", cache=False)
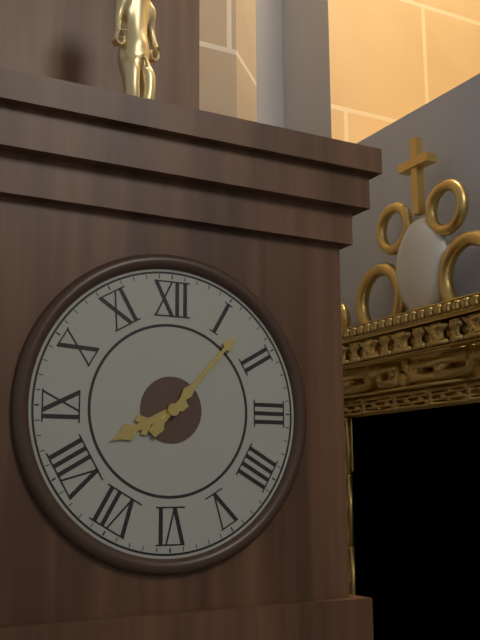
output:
8.07
